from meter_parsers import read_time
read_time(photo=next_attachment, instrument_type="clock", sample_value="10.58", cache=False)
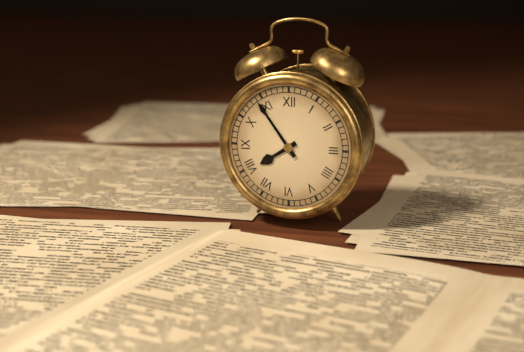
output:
7.54
